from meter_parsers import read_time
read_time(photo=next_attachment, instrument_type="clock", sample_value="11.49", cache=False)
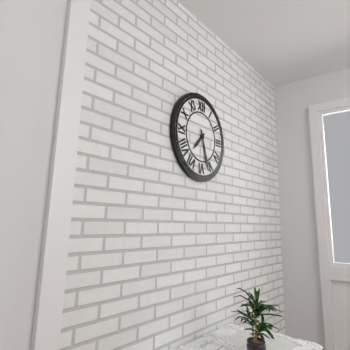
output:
7.27
